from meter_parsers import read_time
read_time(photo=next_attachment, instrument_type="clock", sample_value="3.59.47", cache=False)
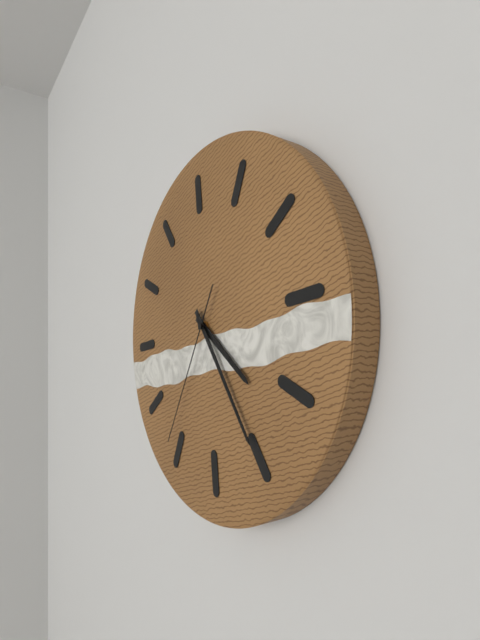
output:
4.25.36
